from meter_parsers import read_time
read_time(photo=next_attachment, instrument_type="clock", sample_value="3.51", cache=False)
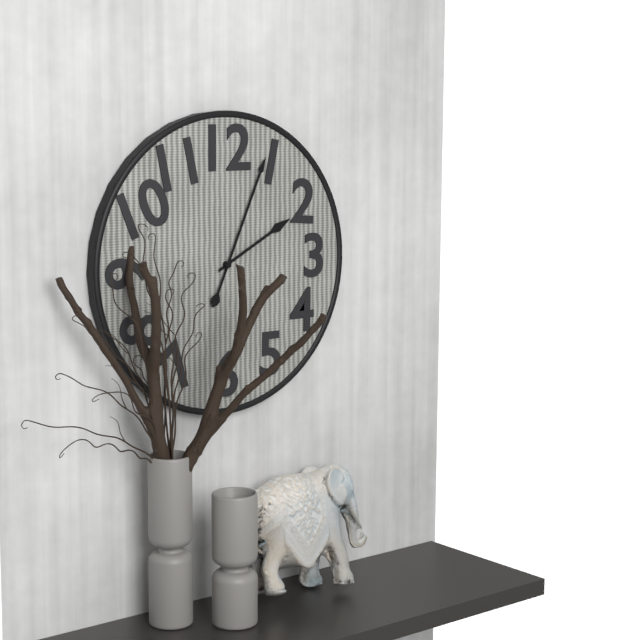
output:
2.04
